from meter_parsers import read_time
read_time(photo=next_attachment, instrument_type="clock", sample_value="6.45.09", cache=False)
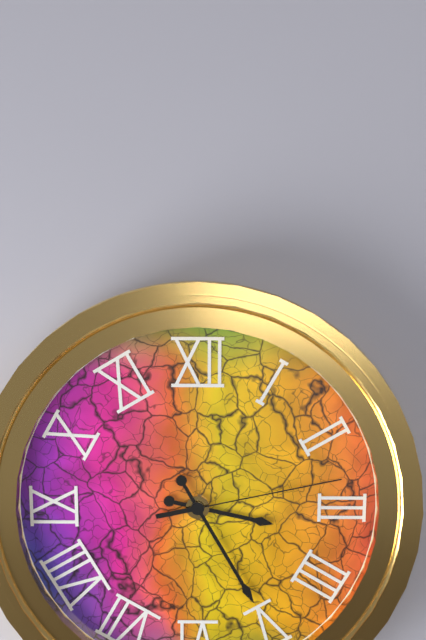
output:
3.25.13
